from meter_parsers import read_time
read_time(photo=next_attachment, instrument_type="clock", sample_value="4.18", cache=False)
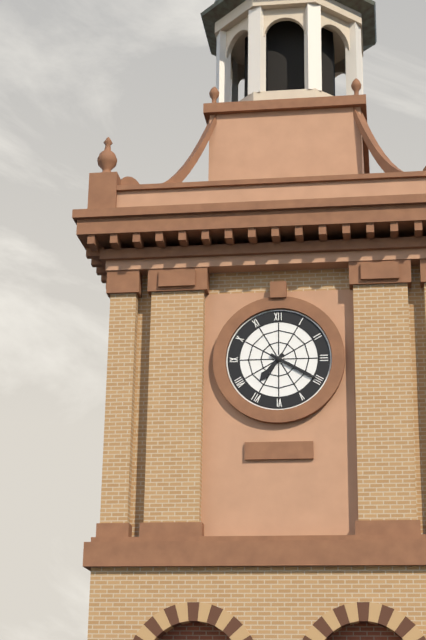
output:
7.20
